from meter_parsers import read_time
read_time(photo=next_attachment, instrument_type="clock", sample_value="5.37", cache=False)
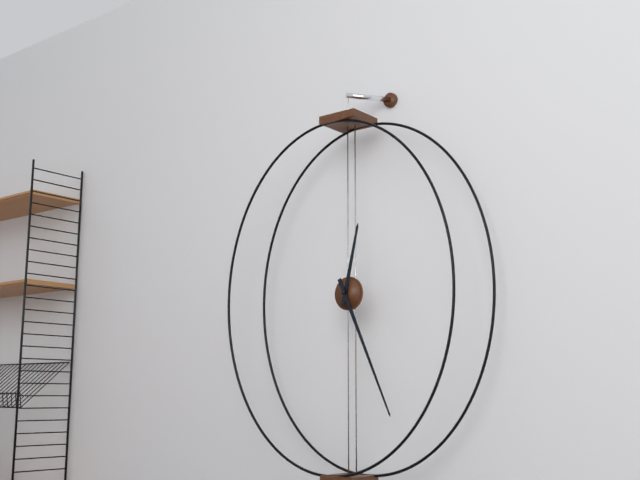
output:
12.26
